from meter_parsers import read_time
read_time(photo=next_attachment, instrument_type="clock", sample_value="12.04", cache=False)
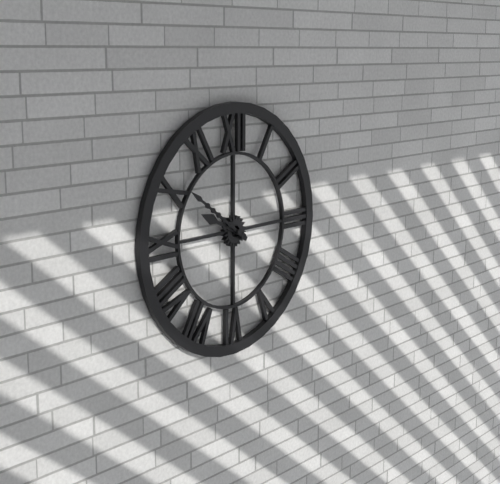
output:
9.51
